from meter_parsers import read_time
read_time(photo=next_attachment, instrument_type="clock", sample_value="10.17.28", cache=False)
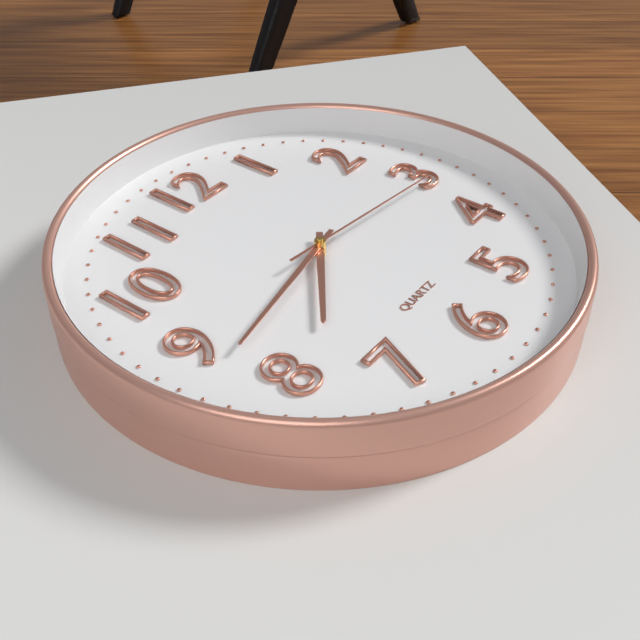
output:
7.43.16
